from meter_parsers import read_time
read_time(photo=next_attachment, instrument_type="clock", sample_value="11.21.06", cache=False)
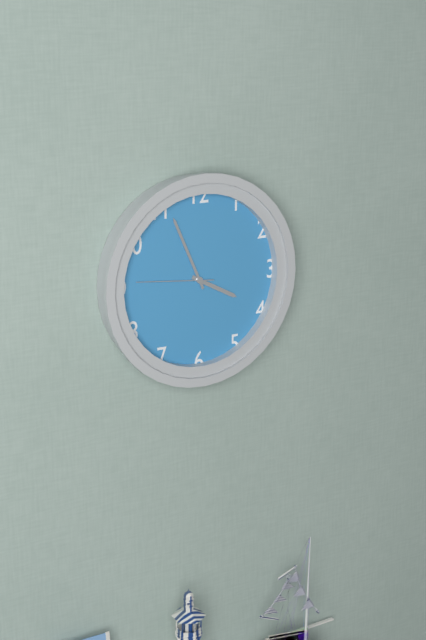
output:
3.56.46
